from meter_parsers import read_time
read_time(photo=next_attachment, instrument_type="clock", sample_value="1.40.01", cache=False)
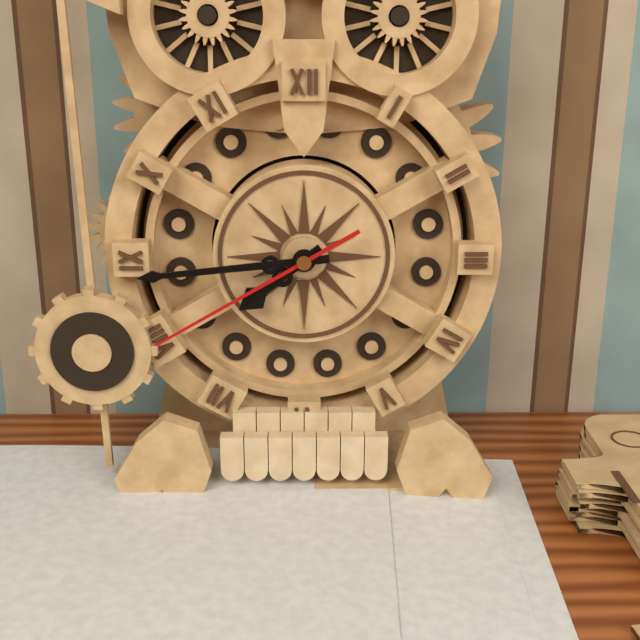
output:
7.44.40
